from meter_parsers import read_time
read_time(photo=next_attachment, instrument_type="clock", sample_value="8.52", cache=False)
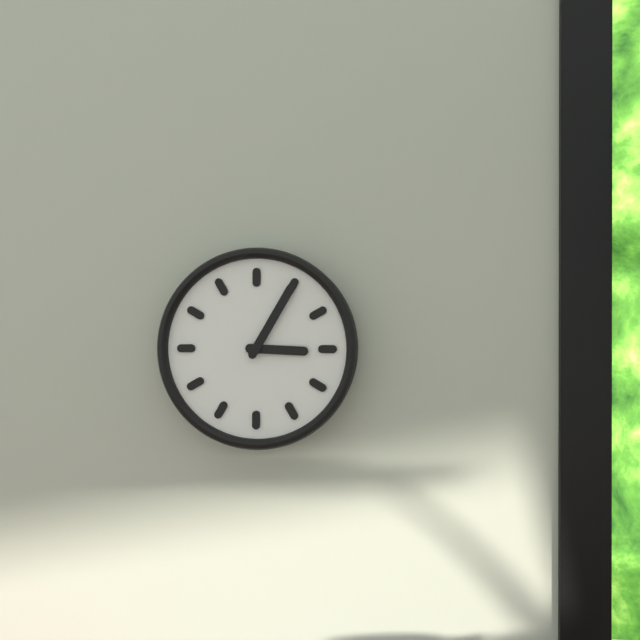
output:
3.05
